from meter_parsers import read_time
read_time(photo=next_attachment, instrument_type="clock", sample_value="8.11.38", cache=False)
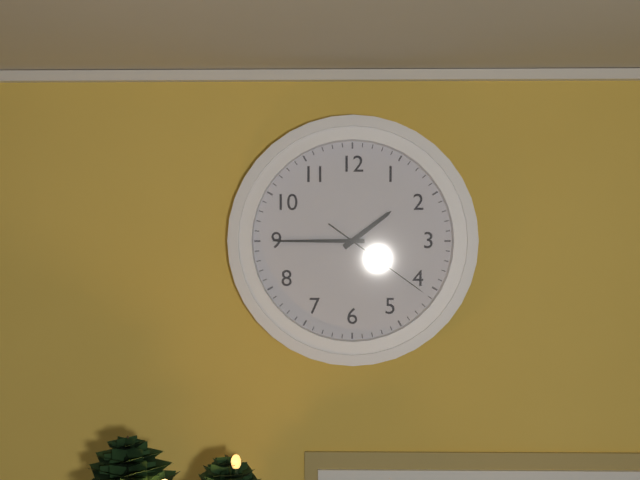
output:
1.45.21
